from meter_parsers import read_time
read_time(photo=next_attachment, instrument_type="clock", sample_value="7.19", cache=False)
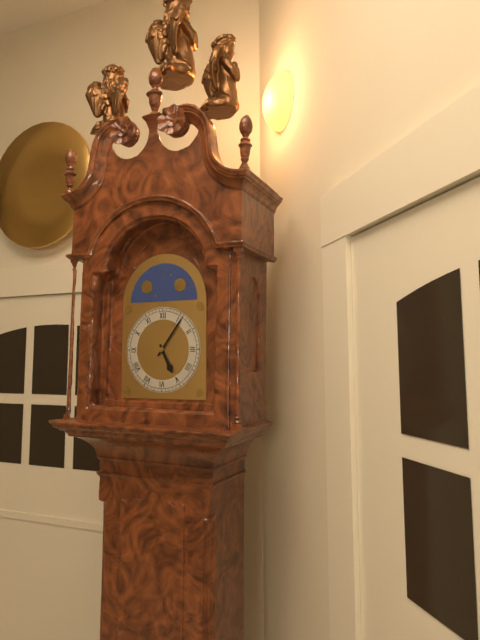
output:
5.06
